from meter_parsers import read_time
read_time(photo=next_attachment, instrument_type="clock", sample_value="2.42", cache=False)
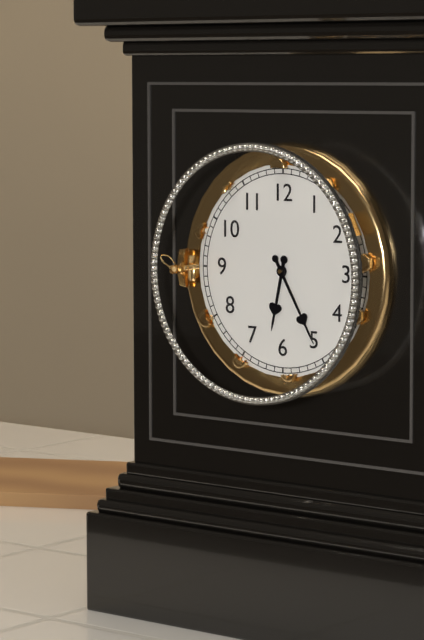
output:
6.25
